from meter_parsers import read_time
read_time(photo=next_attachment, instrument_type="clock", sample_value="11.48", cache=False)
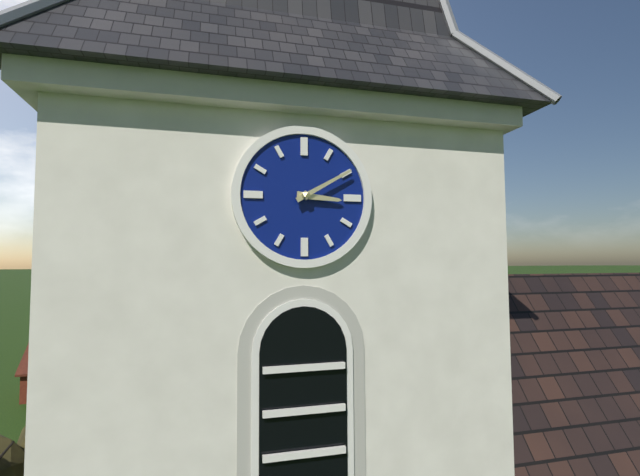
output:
3.10
